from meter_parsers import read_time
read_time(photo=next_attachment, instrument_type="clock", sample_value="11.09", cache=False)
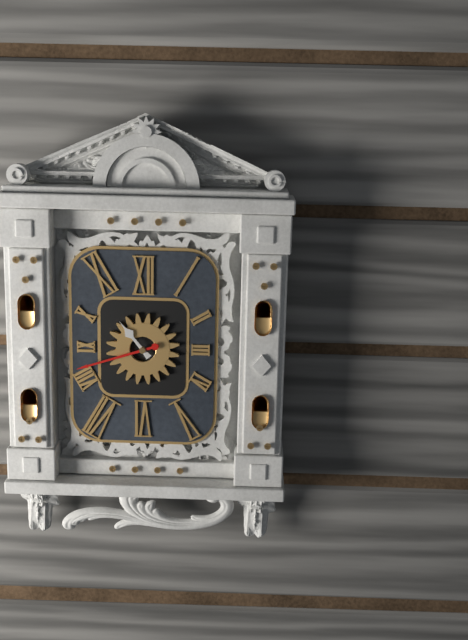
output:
10.42
